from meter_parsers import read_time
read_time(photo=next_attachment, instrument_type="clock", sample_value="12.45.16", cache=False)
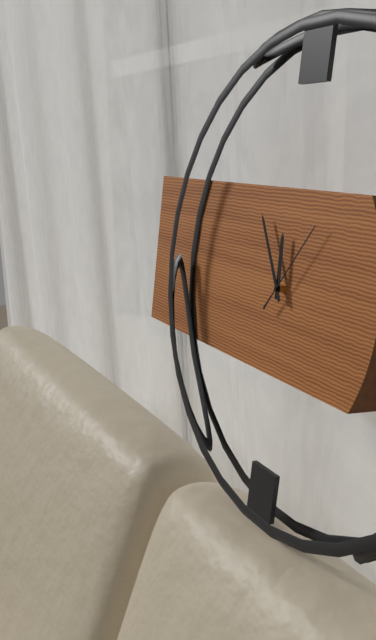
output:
11.55.06
